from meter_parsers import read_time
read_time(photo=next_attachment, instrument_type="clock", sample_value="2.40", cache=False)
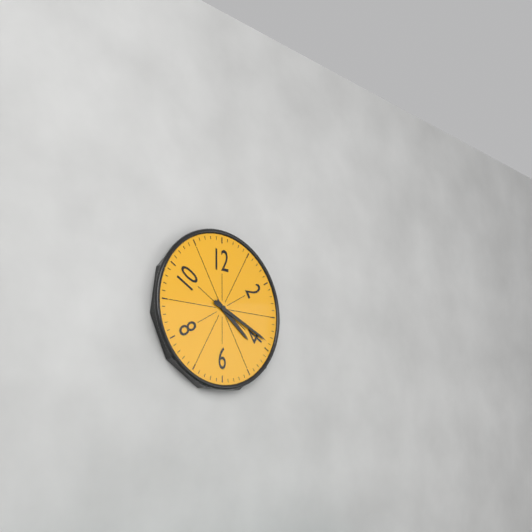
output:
4.19
